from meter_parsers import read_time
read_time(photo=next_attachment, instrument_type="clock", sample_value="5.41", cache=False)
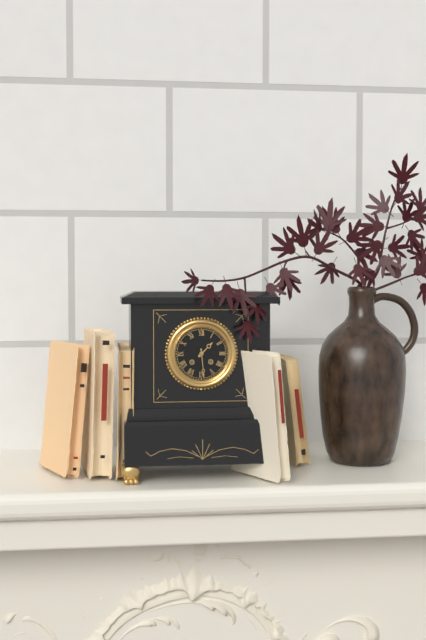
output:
1.29
